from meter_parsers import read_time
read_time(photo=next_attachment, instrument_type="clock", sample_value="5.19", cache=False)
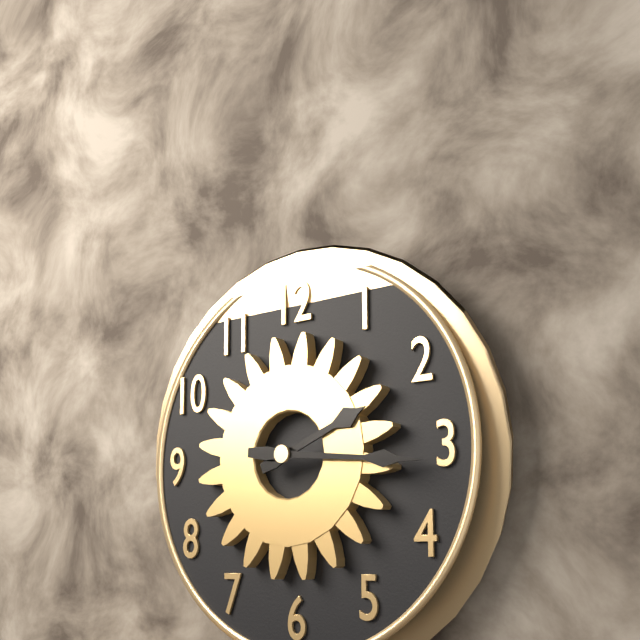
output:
2.16
